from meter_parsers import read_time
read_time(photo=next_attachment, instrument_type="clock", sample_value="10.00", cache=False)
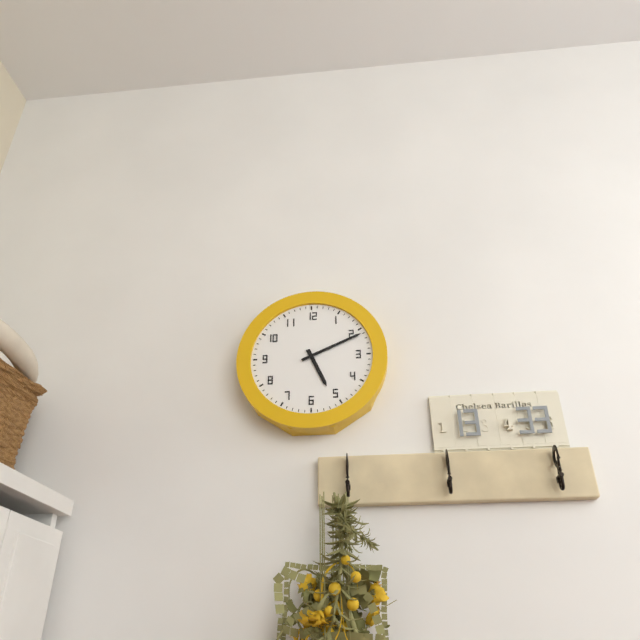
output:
5.11
